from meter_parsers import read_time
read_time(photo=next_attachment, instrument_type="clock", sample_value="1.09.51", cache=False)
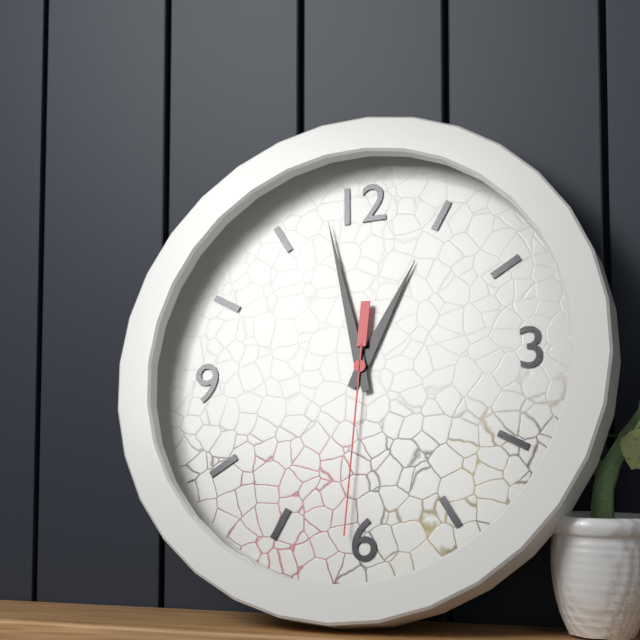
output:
12.58.31
